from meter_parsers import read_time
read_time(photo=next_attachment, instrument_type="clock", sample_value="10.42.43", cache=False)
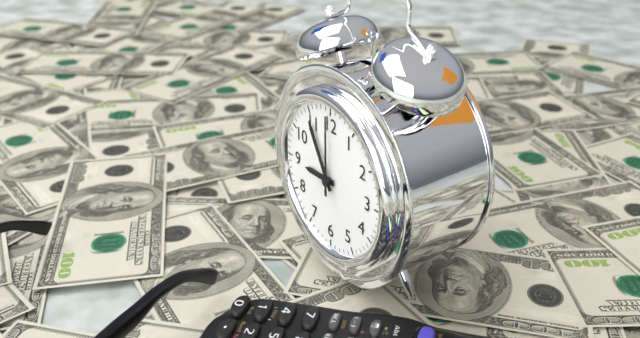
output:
8.55.00
